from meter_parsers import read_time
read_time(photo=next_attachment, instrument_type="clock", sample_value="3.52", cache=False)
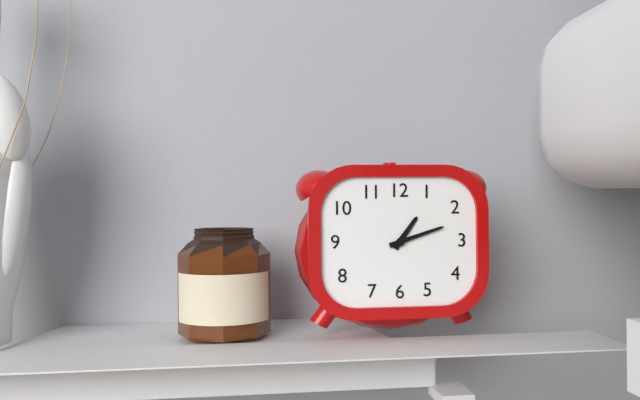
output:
1.12
